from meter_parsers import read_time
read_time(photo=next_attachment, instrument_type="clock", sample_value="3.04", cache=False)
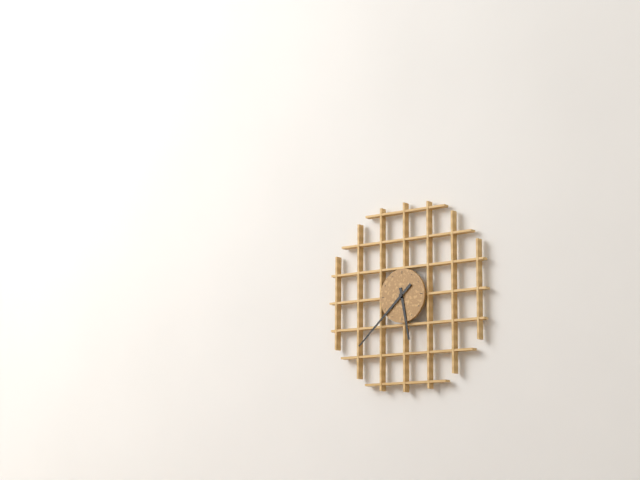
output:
5.38
